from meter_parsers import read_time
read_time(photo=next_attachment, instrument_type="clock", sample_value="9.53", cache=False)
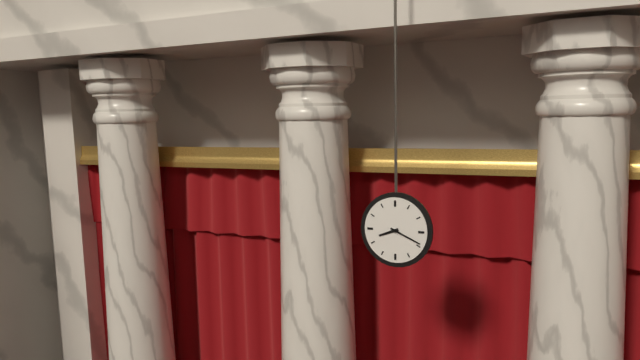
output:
8.19
